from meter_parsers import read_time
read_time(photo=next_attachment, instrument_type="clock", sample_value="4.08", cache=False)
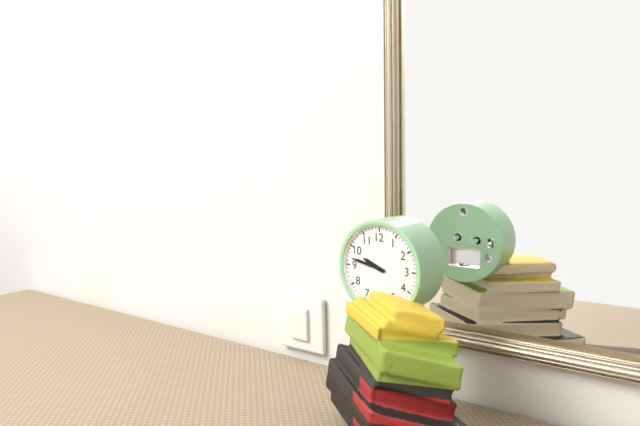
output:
9.47
